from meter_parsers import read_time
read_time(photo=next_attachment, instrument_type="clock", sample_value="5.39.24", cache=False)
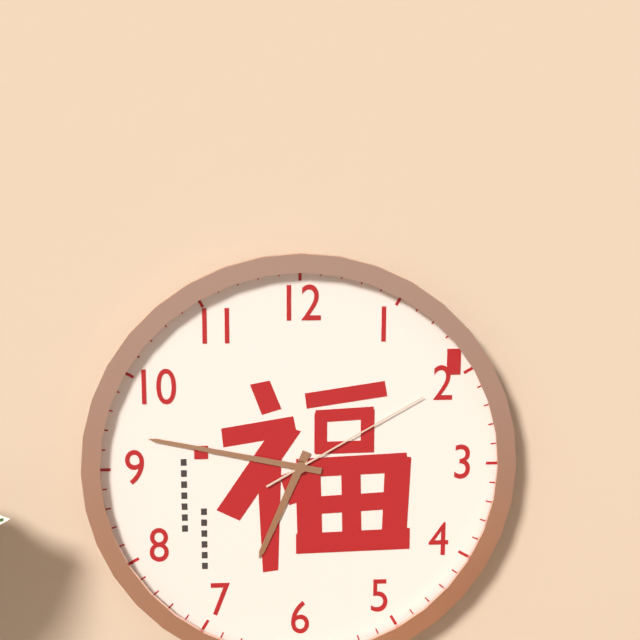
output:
6.47.10
